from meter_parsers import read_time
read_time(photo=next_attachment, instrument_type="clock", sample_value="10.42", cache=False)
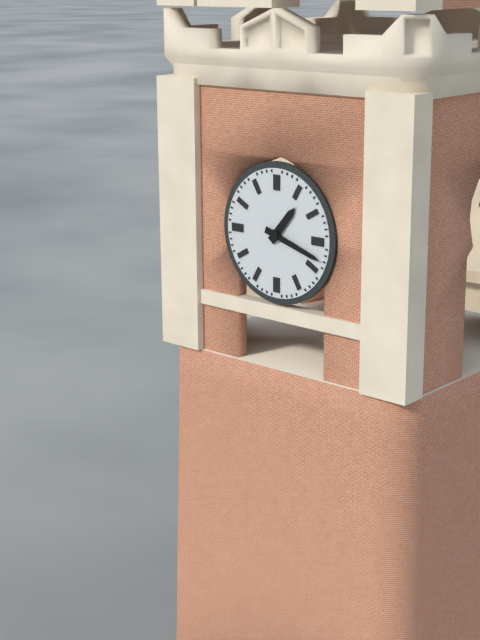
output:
1.18
